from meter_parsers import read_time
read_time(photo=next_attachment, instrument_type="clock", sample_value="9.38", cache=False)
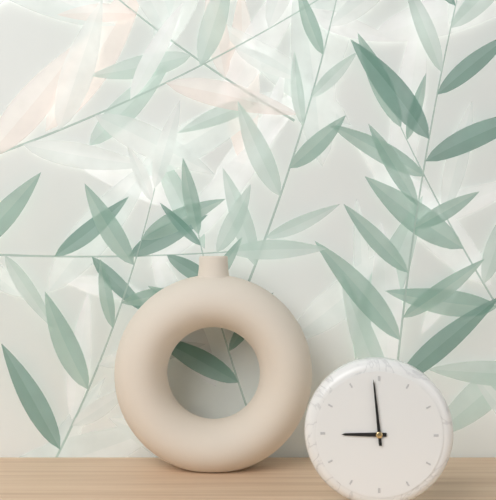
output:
8.59
